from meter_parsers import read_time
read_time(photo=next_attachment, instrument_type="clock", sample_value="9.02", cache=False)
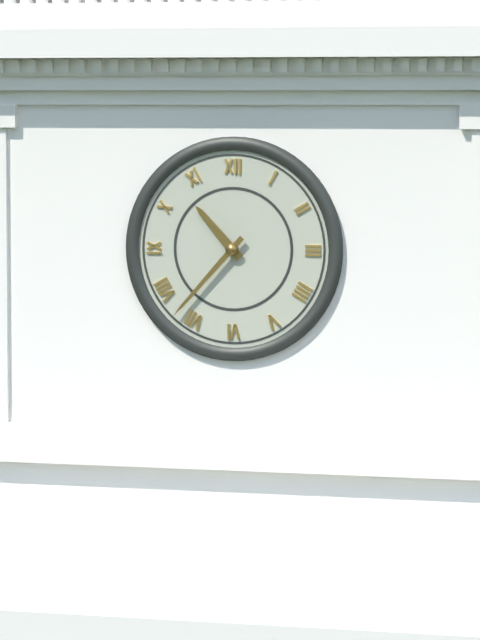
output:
10.37
